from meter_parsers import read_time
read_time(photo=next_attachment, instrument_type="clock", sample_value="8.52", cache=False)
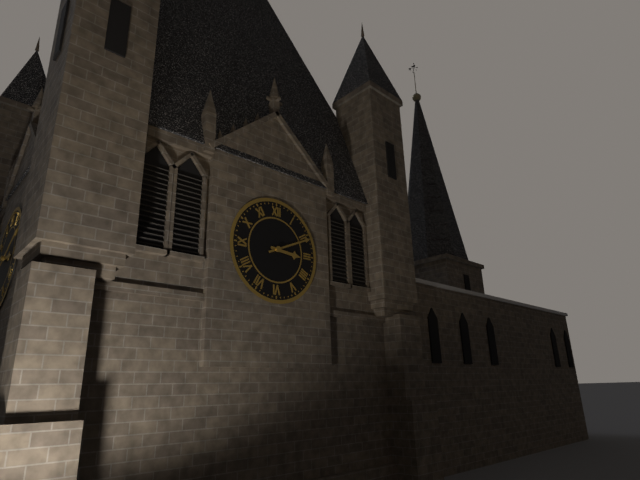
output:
3.11
